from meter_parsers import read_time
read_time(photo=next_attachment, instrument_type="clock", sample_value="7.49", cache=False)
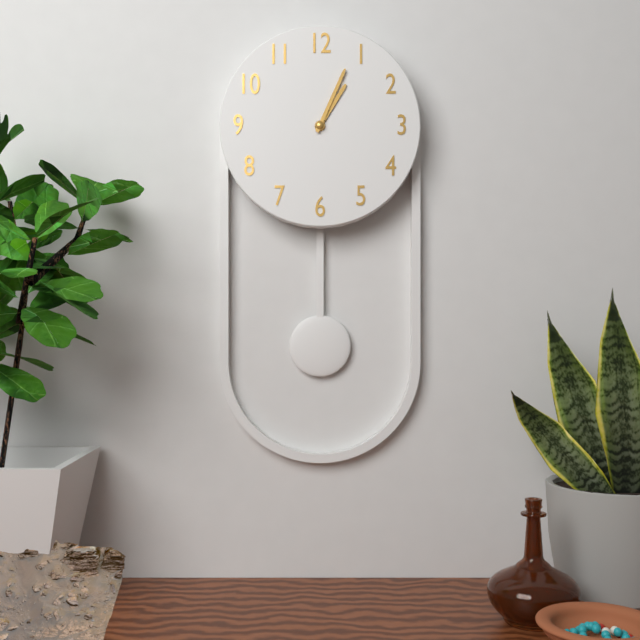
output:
1.04
